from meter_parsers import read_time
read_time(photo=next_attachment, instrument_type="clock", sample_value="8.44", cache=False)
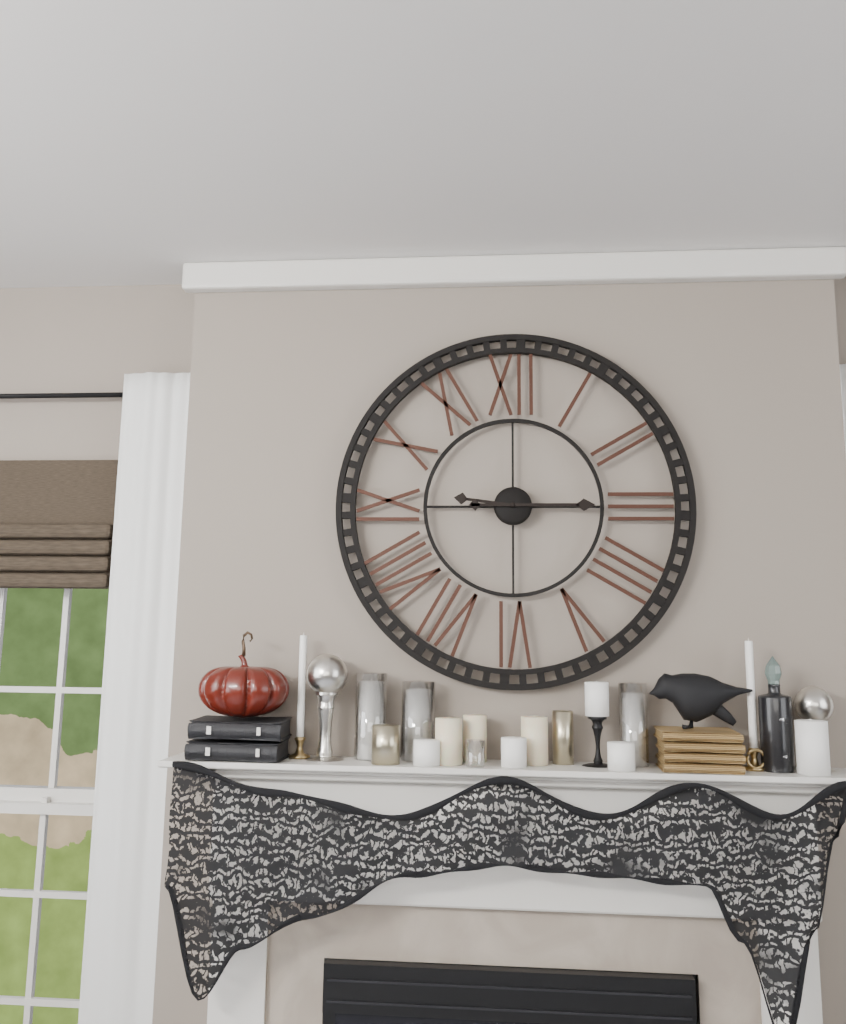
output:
9.15
